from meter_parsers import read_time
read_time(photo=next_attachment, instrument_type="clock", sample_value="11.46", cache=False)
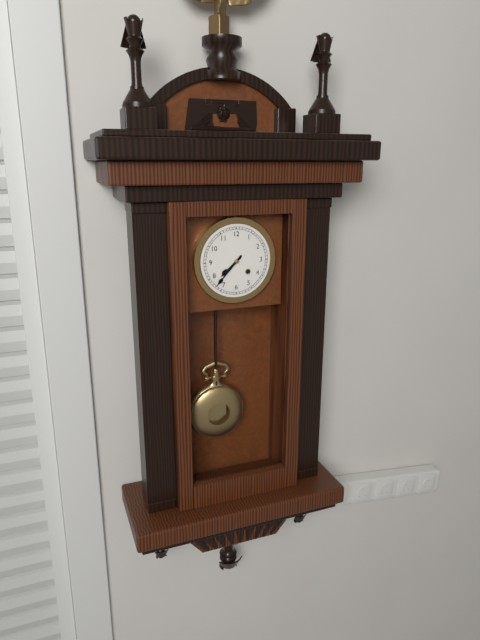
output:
7.37
